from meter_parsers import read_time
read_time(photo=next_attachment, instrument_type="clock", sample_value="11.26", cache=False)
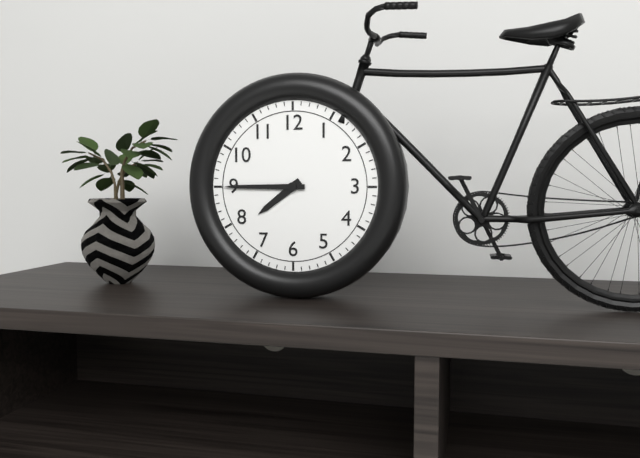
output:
7.45
